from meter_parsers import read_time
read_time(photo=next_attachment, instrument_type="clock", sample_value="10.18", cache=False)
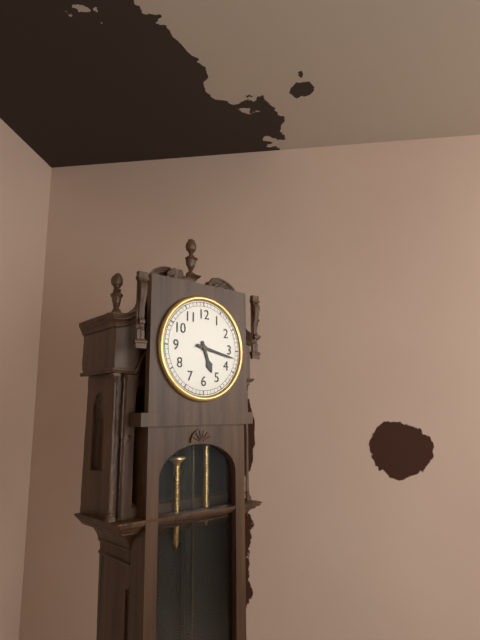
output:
5.17
